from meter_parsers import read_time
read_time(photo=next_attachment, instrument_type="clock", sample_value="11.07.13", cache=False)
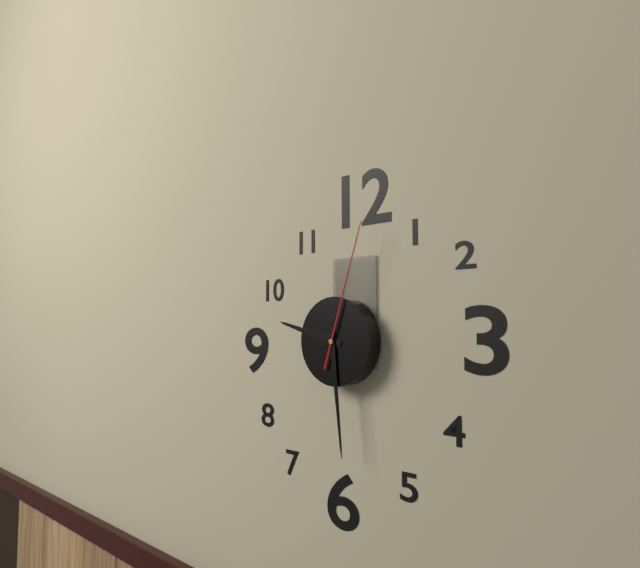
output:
9.29.03
